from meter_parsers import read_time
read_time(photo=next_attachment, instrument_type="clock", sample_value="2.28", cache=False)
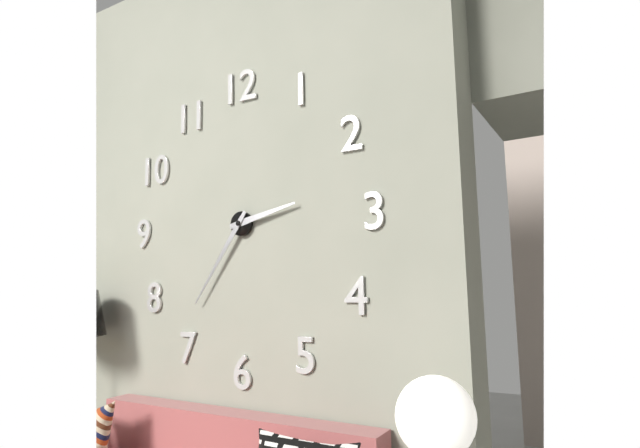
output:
2.36
